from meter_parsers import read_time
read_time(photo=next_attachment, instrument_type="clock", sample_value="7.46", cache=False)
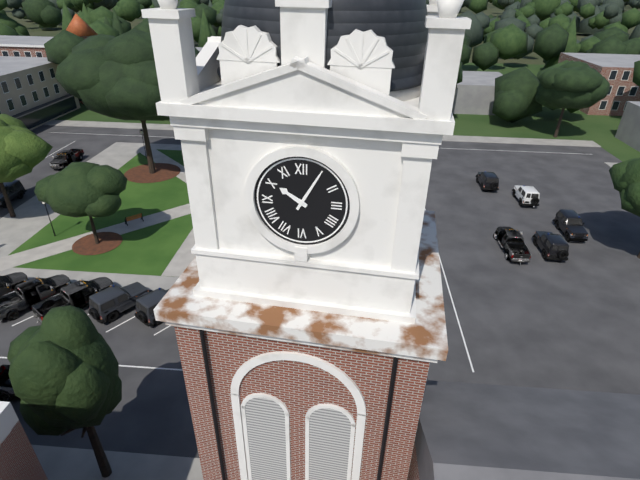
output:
10.05
